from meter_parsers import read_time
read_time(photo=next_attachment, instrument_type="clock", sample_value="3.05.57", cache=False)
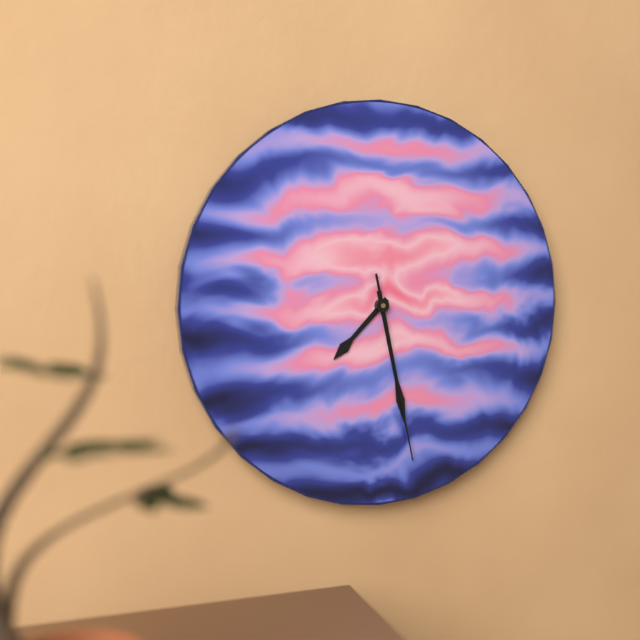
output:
7.28.28
